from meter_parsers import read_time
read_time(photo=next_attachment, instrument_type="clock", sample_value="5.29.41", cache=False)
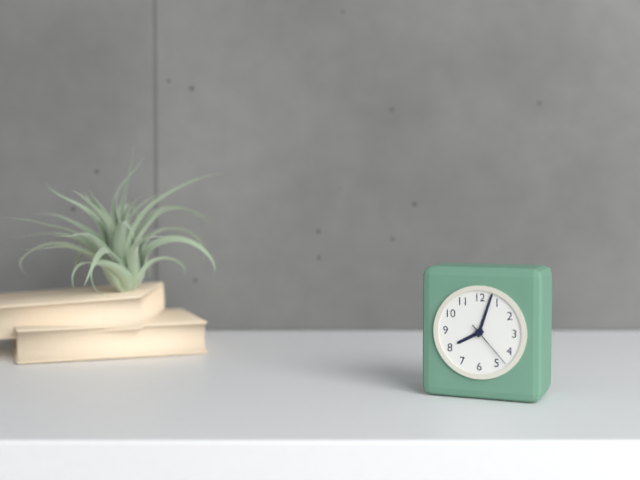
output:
8.03.23
